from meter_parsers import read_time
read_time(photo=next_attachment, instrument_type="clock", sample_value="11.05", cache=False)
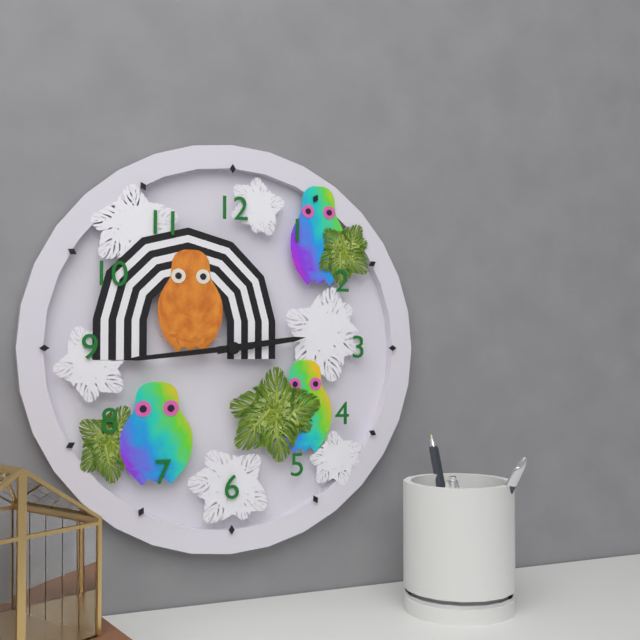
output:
2.44
